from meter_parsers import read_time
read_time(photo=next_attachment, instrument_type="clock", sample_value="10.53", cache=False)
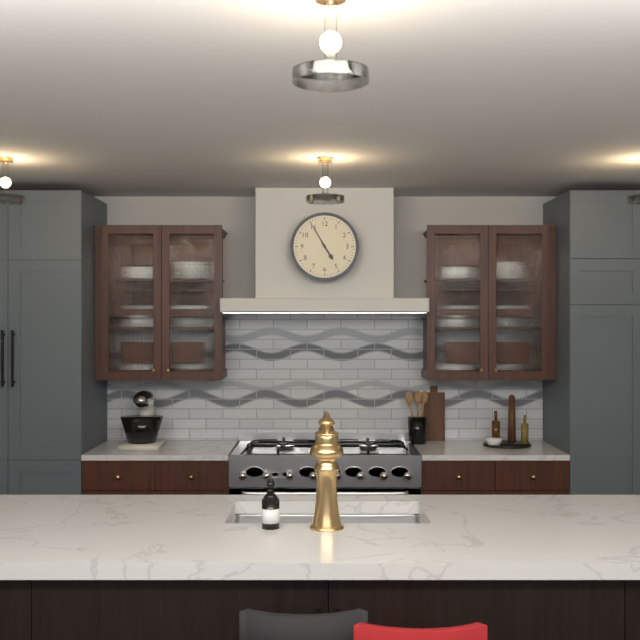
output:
4.55
